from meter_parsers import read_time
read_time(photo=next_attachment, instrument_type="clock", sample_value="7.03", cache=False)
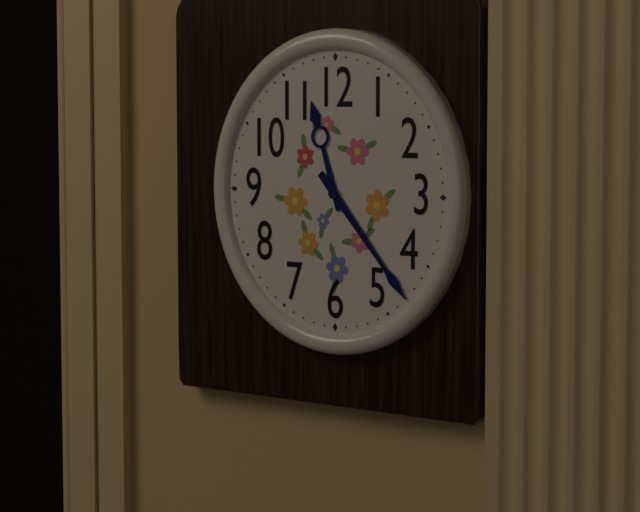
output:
11.23
